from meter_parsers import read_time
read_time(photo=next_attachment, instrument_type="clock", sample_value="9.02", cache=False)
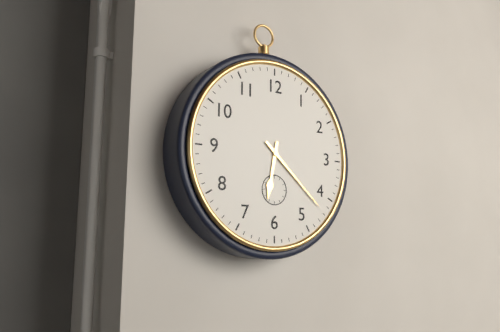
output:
6.22
